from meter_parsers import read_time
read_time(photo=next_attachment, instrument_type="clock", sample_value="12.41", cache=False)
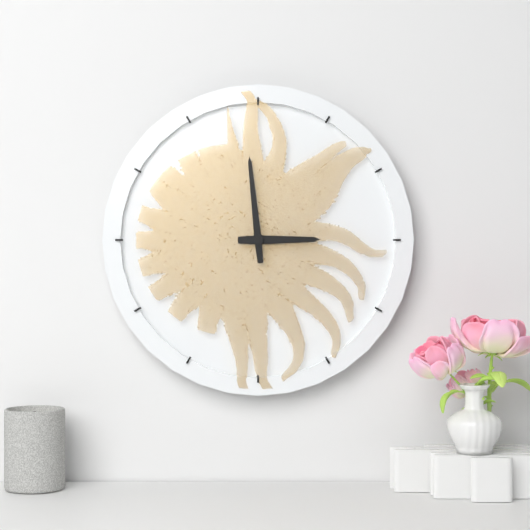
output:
2.59
